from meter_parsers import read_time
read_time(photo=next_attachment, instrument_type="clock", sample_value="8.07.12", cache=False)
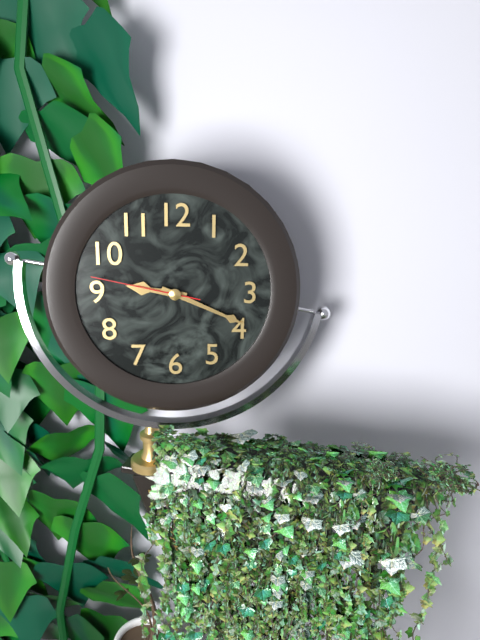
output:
9.19.47
